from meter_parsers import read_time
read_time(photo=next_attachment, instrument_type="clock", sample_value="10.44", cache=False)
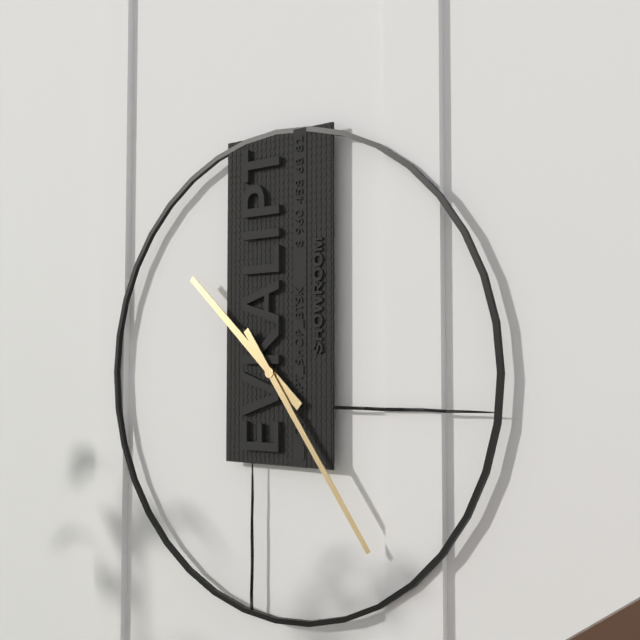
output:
10.24
